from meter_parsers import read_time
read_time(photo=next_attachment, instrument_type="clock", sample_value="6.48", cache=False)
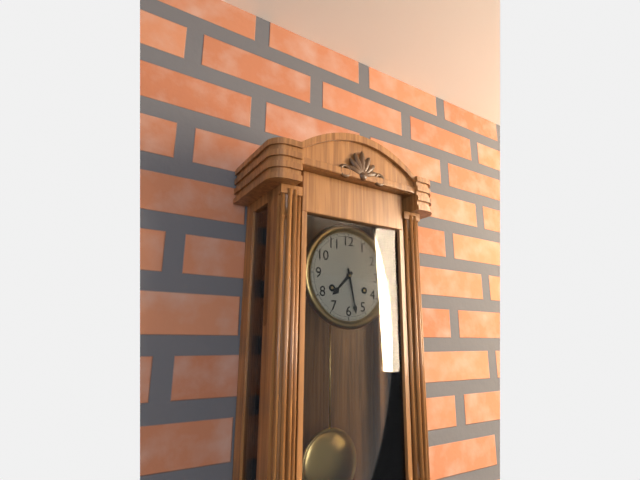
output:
7.28
